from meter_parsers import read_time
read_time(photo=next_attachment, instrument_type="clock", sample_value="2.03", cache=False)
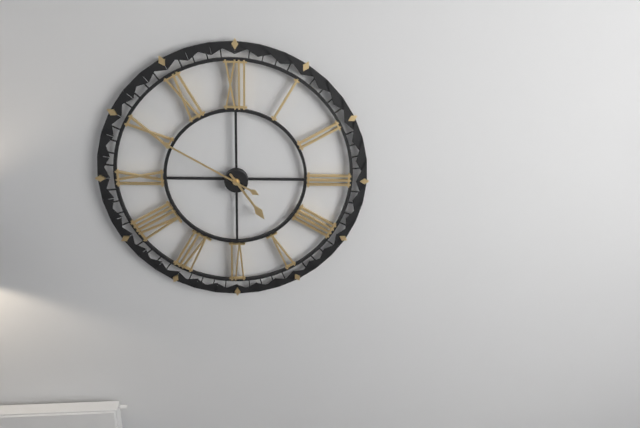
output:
4.50
